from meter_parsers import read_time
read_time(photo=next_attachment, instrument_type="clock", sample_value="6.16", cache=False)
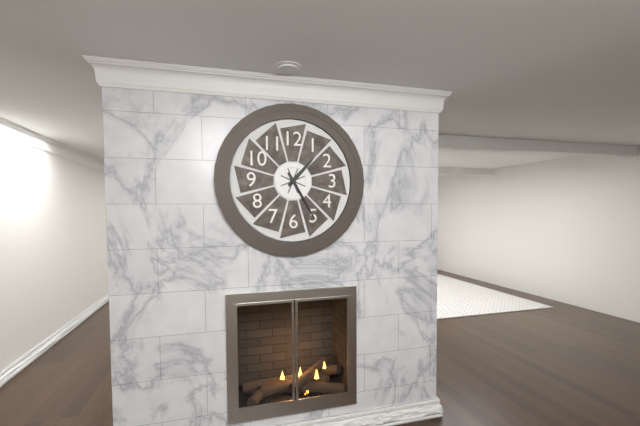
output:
1.25
